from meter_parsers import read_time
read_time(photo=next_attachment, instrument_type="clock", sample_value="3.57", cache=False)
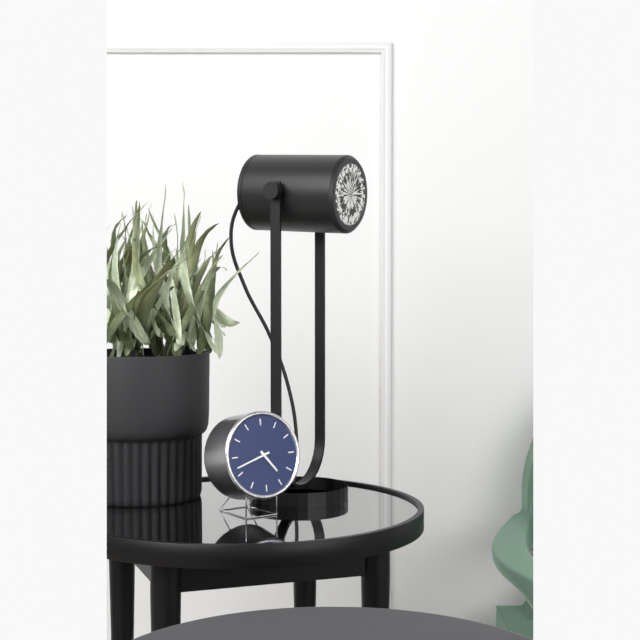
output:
4.42
